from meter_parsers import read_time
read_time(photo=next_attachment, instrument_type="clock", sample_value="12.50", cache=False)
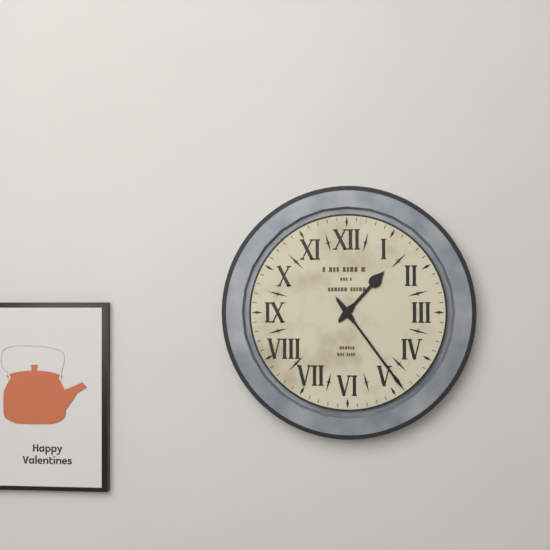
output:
1.24
